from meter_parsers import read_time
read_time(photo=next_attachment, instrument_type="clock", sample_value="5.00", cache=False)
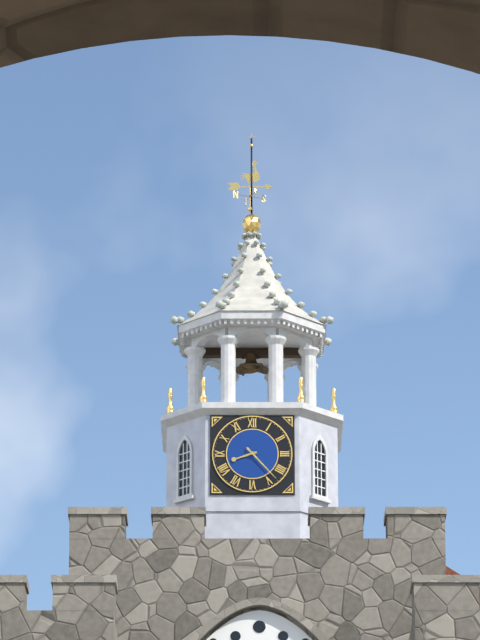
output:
8.23
